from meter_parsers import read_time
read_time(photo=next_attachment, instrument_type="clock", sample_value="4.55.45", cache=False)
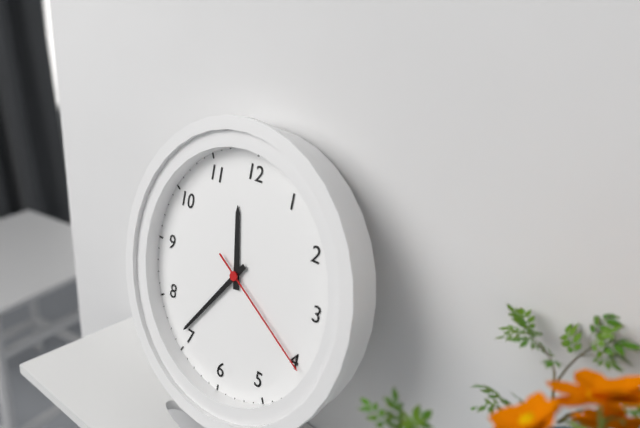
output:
11.36.20
